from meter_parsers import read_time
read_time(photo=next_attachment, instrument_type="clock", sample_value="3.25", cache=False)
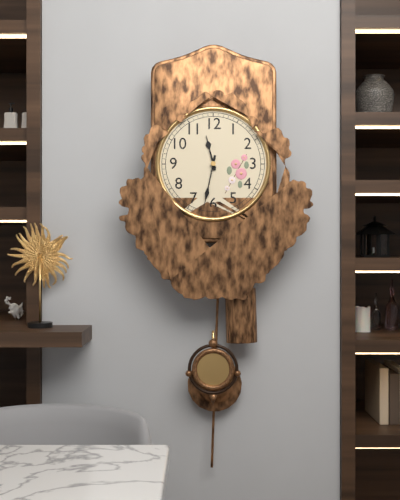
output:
11.32
